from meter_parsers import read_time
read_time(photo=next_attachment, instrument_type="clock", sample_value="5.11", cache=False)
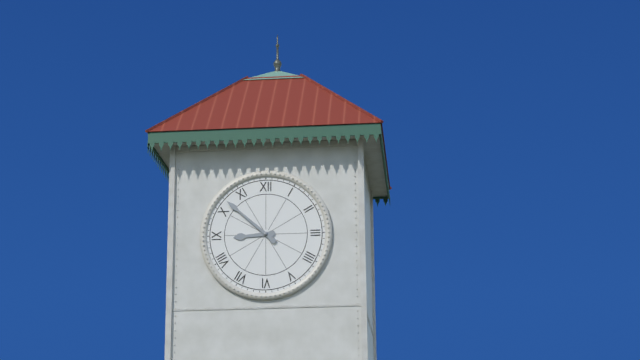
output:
8.52
